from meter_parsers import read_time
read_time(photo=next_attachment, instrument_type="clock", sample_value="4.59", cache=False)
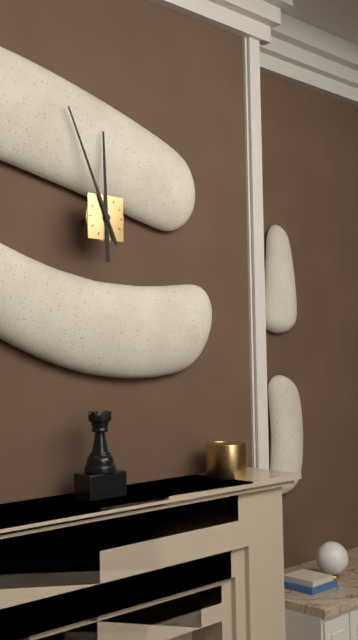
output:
11.56
